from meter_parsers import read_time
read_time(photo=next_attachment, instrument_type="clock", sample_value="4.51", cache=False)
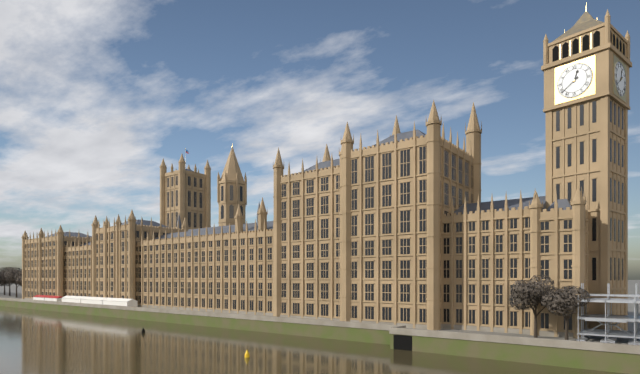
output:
12.39
